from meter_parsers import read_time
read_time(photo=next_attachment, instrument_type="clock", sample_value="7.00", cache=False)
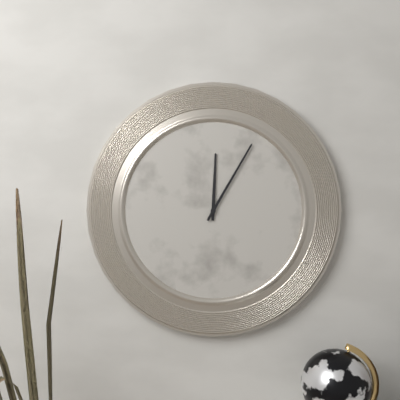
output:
12.05
